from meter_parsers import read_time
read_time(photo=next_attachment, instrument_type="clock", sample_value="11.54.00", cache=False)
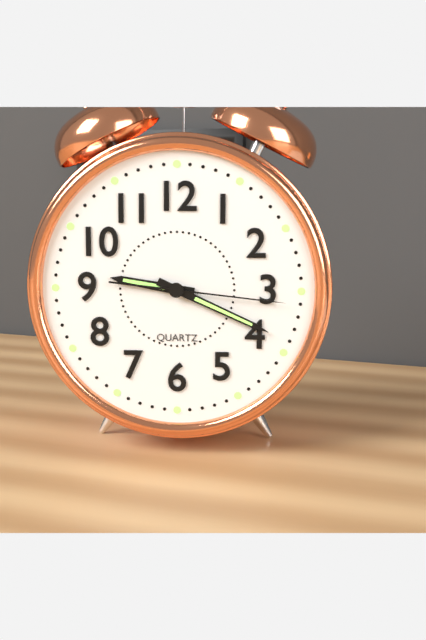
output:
9.19.16
